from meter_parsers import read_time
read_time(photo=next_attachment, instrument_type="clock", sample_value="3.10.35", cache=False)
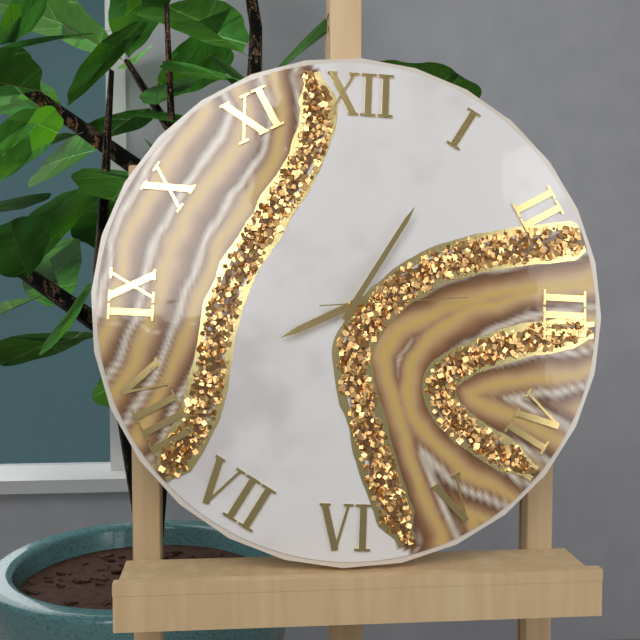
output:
8.05.14
